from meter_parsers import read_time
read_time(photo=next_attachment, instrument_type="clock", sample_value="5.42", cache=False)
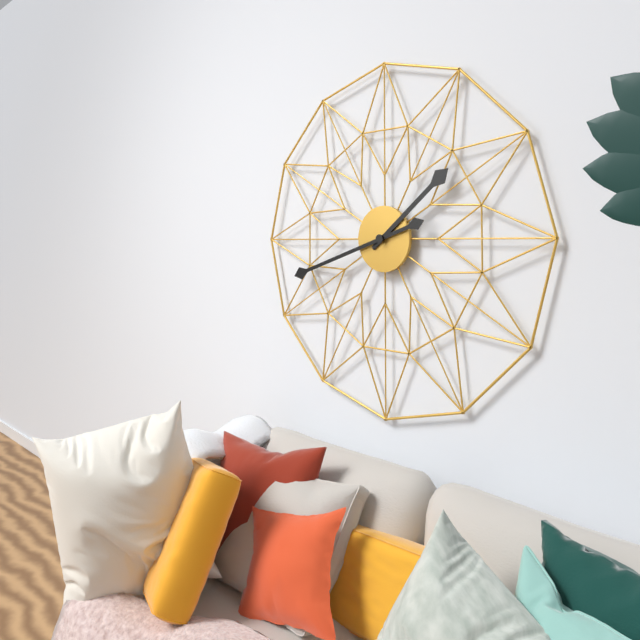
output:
1.42
